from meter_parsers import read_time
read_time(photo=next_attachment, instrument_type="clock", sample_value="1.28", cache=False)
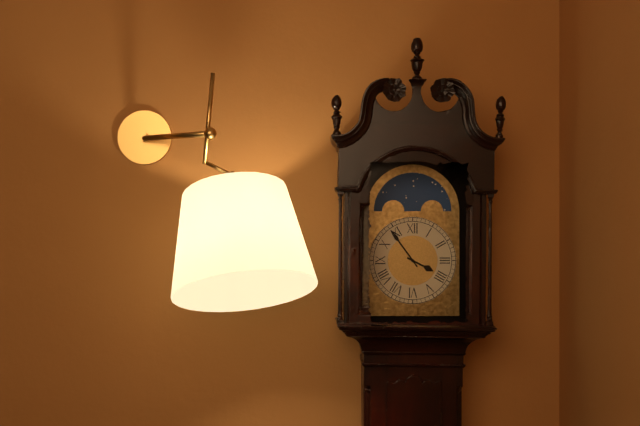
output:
3.54
